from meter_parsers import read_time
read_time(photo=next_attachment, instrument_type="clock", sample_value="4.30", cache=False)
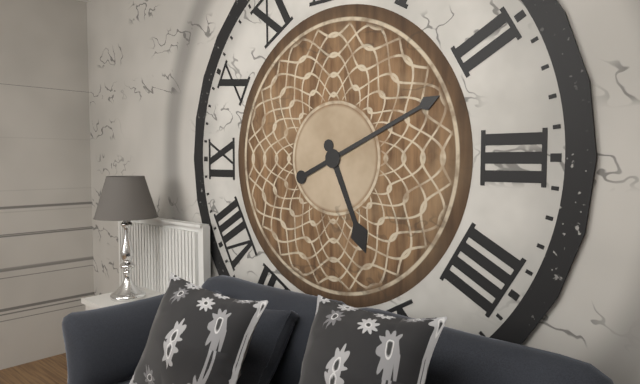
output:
5.11
